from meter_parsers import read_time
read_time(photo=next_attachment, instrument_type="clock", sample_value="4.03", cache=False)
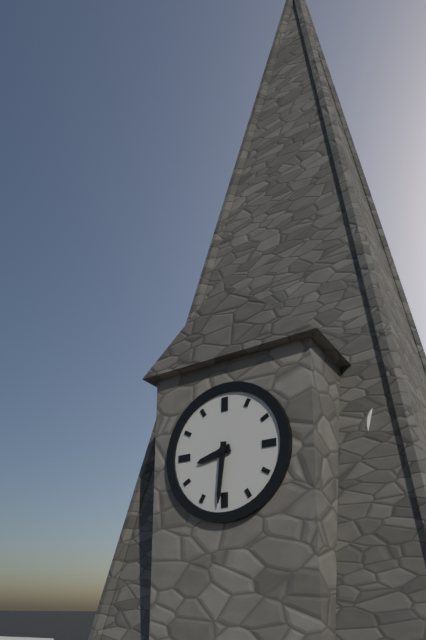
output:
8.31
